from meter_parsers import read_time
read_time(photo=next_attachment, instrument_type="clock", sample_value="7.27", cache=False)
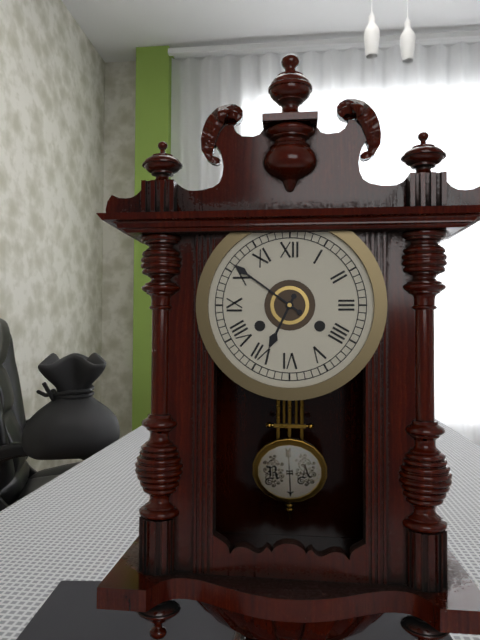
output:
6.51
